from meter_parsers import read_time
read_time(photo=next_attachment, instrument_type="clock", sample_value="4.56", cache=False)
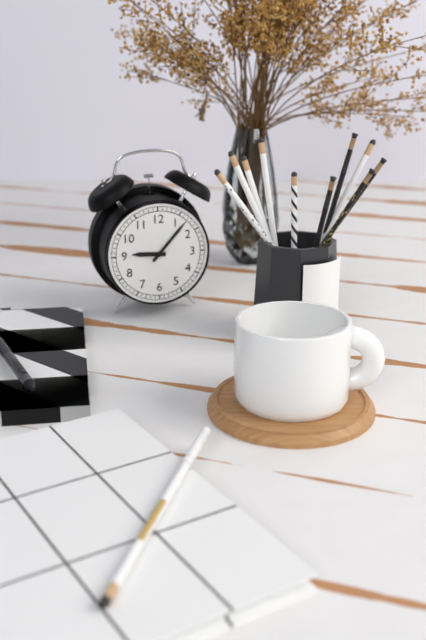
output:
9.07
